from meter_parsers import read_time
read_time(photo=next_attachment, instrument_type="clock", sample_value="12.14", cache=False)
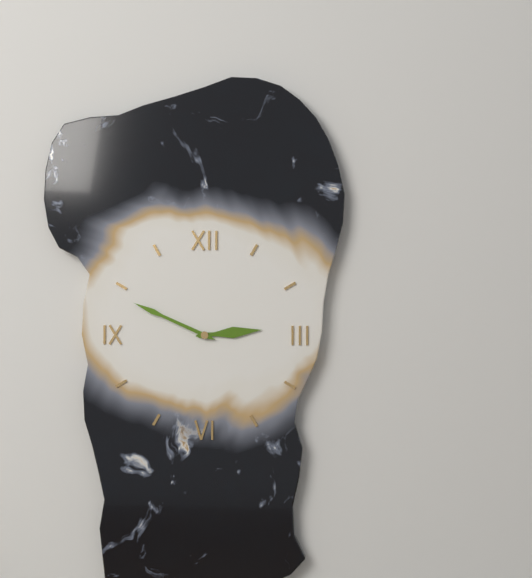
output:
2.49
